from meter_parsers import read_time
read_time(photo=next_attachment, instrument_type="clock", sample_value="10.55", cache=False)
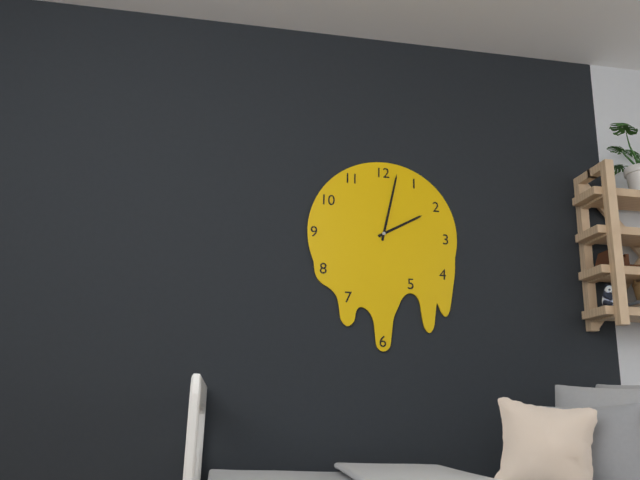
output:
2.02
